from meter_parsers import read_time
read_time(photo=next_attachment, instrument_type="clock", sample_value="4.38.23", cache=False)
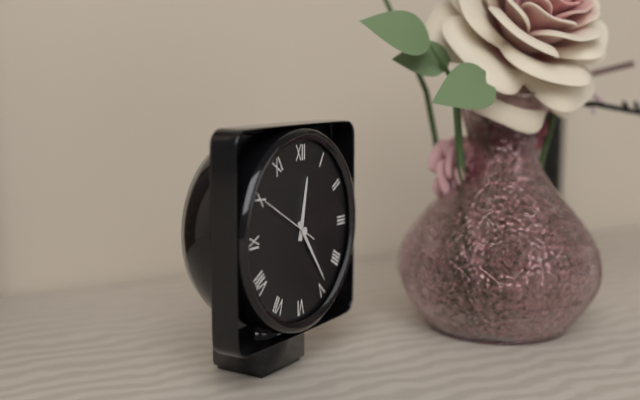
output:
12.24.50
